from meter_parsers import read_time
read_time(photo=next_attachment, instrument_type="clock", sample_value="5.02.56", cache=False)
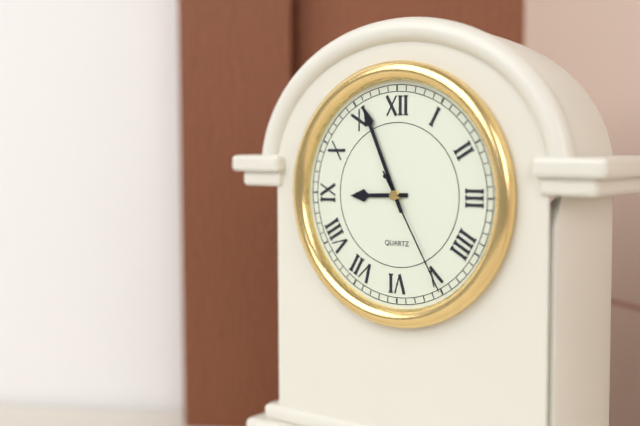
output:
8.56.25
